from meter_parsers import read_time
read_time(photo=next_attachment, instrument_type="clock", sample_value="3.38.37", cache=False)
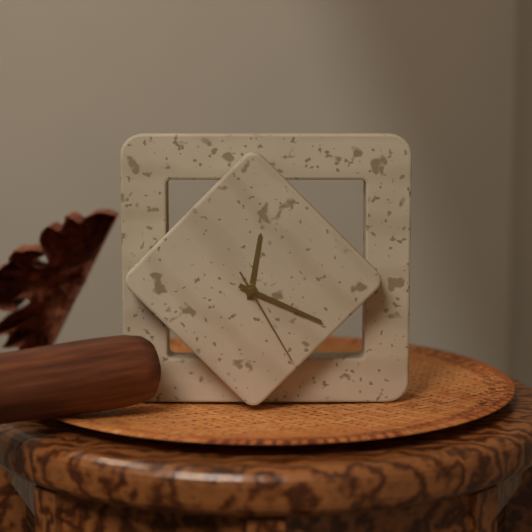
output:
12.19.25
